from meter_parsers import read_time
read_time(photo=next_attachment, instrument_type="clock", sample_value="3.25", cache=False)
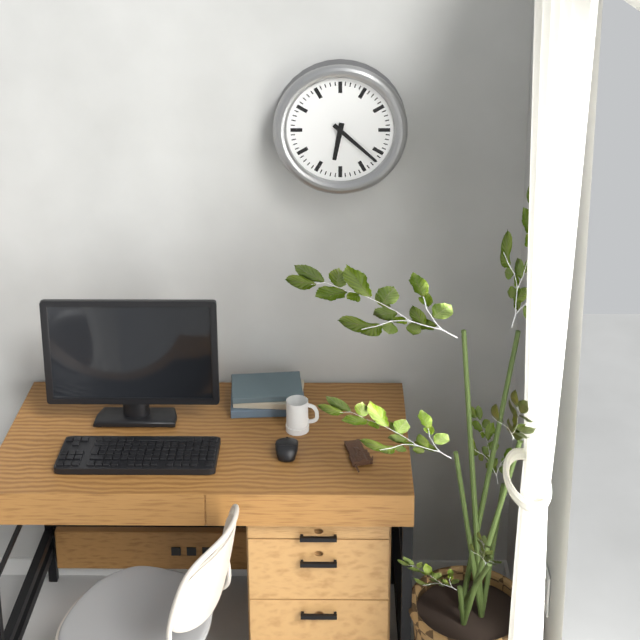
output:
6.22
